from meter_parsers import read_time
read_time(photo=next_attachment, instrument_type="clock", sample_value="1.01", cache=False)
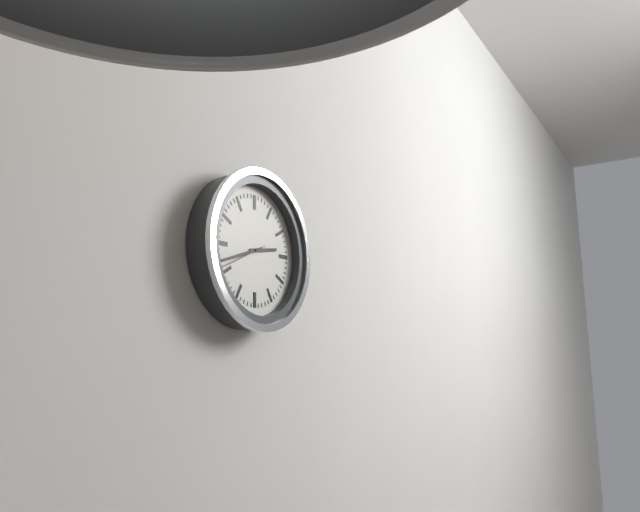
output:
2.42
